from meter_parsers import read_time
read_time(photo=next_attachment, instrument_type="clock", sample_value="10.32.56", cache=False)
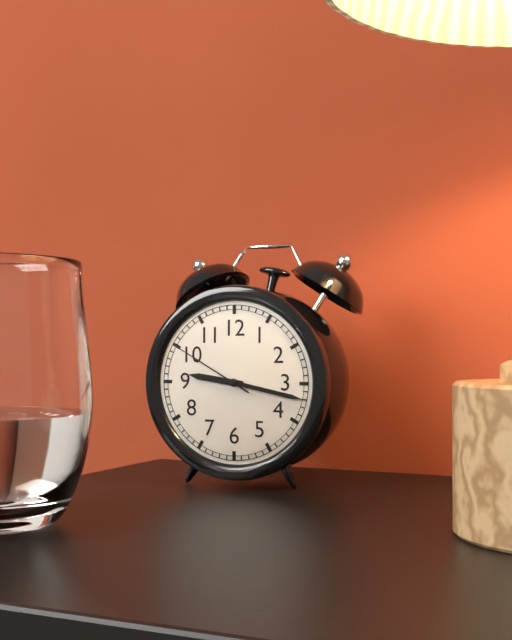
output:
9.17.50
